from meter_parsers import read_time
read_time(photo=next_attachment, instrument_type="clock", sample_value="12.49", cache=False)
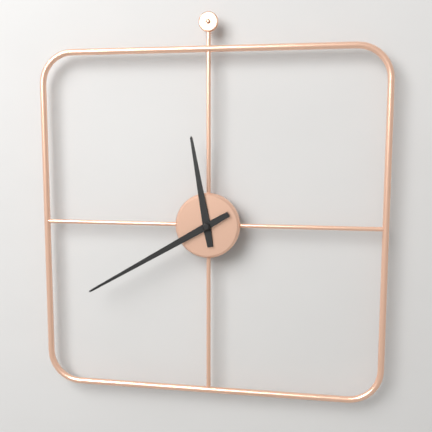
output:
11.40
